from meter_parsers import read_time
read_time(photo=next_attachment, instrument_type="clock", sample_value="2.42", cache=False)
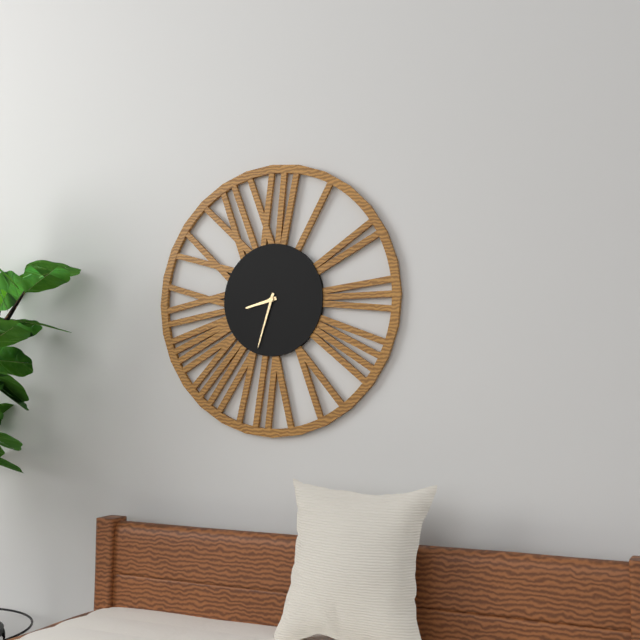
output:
8.33
